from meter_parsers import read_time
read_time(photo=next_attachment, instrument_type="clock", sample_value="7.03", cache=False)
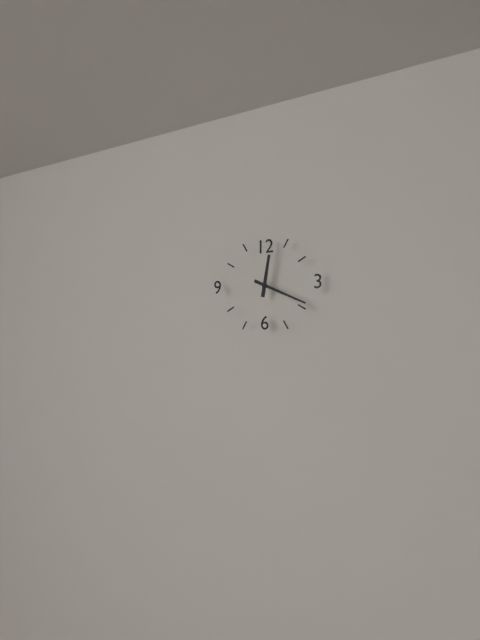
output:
12.19
